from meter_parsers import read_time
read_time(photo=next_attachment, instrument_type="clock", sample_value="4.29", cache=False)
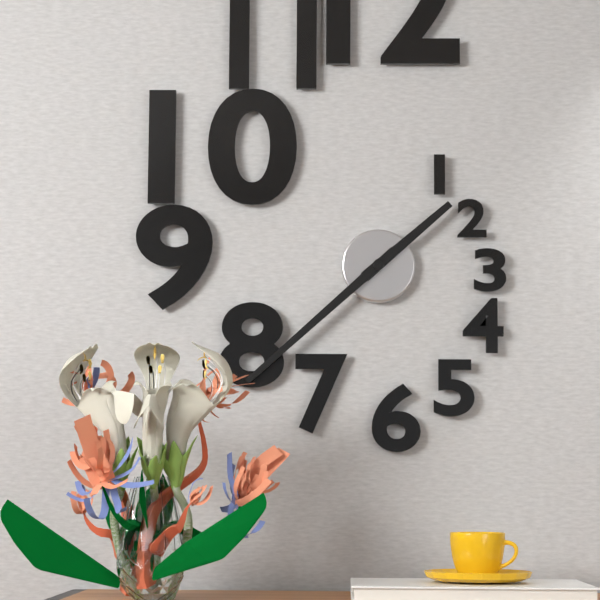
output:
1.38
